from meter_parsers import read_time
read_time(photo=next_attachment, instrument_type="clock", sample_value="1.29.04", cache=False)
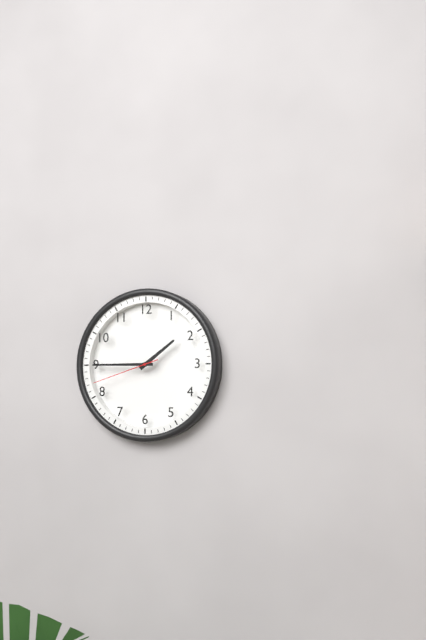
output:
1.45.42
